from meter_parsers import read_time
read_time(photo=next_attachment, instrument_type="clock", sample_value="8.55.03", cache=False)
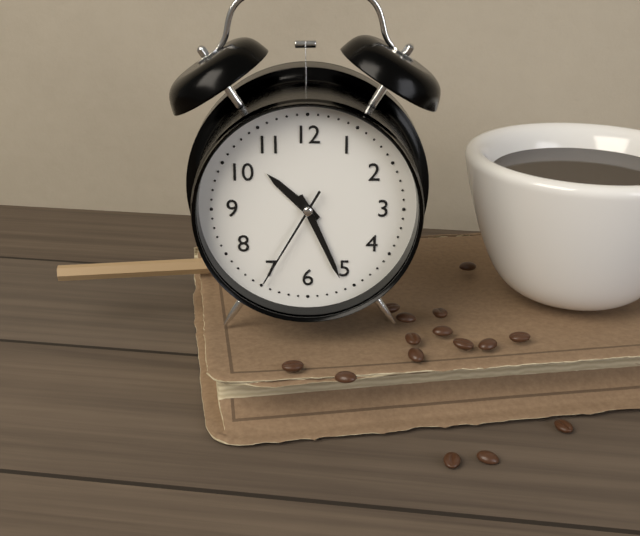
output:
10.26.35
